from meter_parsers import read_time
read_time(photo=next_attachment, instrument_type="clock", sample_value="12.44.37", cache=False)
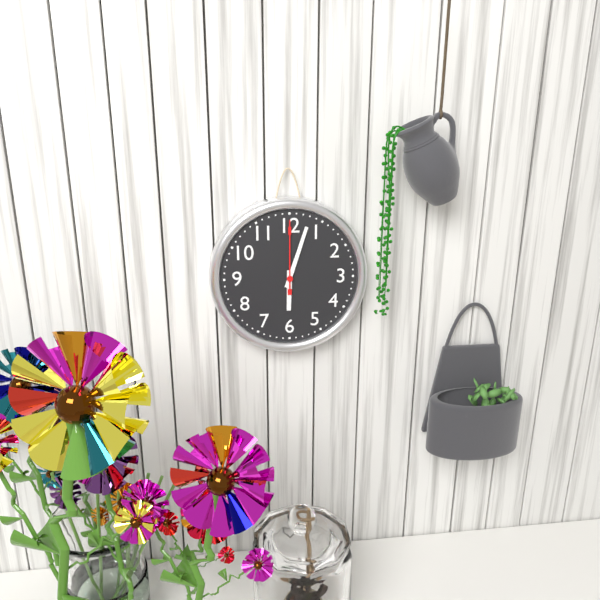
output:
6.03.00
